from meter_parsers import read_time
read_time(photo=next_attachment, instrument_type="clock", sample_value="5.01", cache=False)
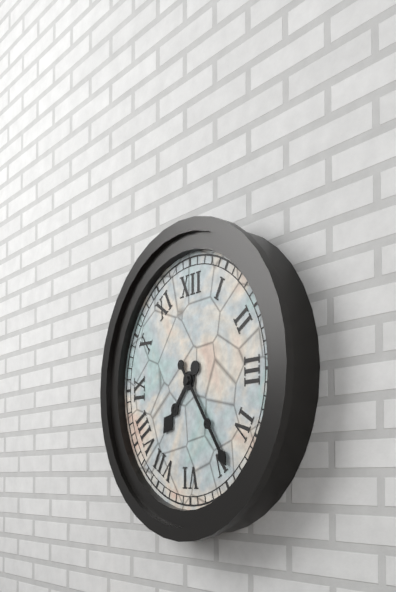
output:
7.24
